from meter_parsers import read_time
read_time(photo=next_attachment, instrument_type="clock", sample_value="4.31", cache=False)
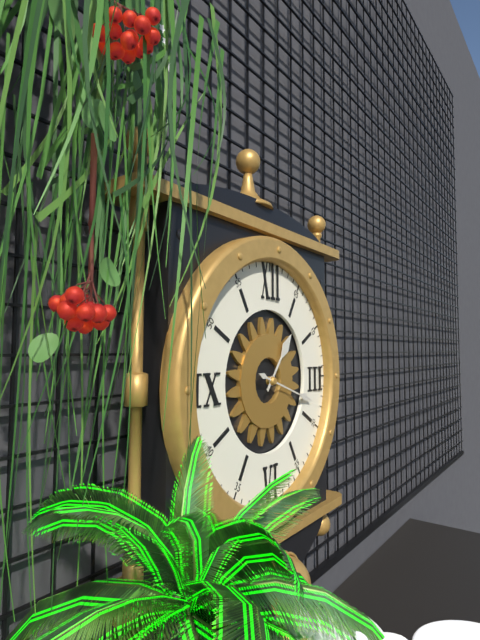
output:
1.18
